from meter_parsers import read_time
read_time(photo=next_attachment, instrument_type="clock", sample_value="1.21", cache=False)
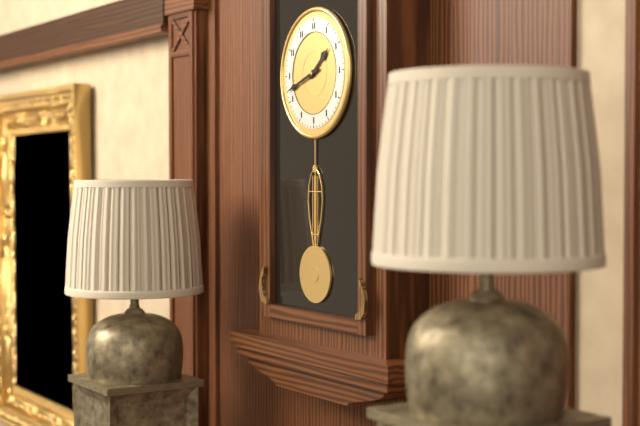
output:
1.42
